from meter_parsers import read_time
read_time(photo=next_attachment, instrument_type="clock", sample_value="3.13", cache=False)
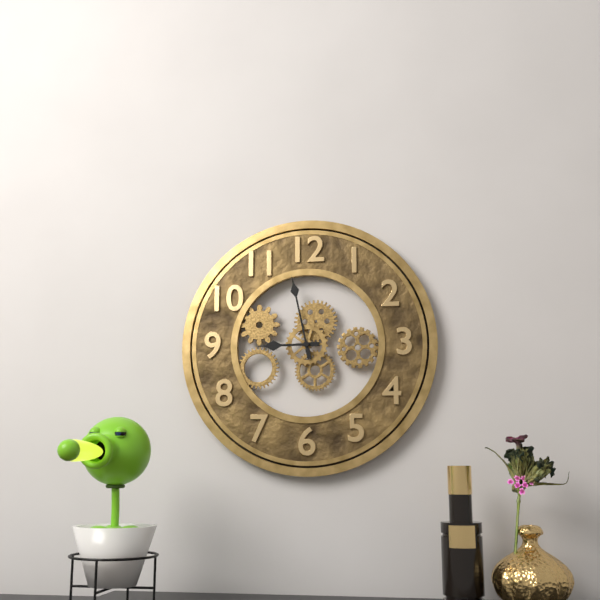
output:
8.58
